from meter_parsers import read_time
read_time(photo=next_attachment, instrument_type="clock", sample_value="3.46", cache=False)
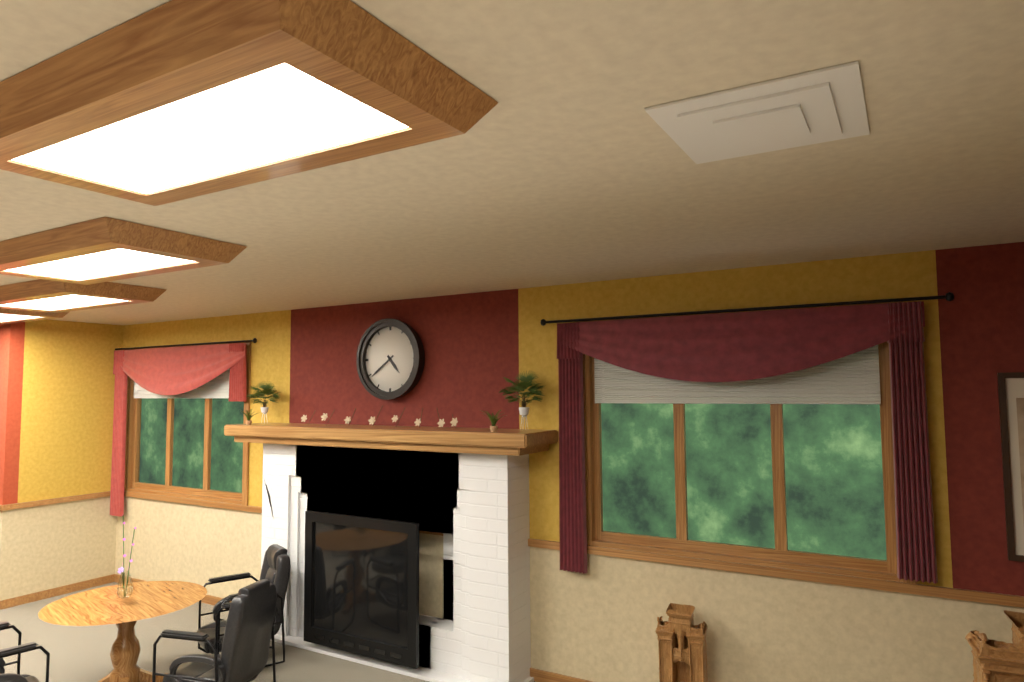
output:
4.39
